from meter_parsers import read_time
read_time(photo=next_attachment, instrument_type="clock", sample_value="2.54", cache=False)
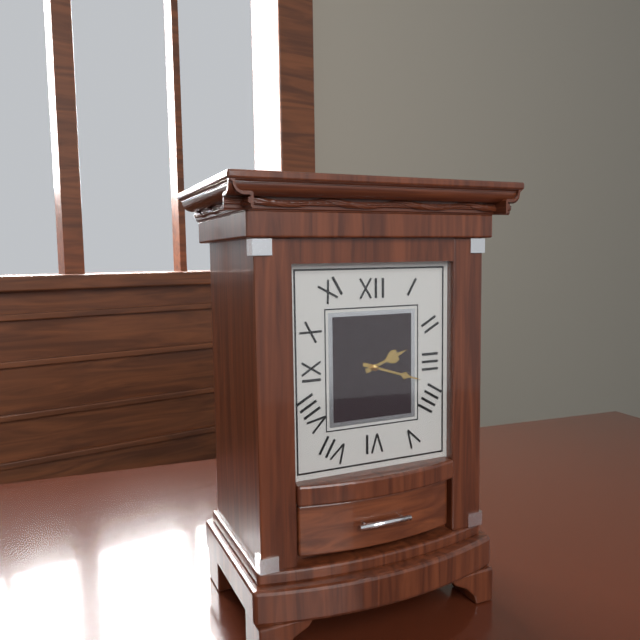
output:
2.18
